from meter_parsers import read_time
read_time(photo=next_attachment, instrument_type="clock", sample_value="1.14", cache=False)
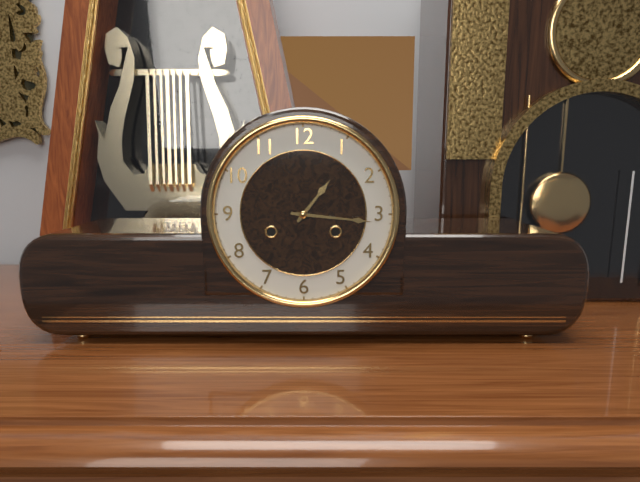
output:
1.16
